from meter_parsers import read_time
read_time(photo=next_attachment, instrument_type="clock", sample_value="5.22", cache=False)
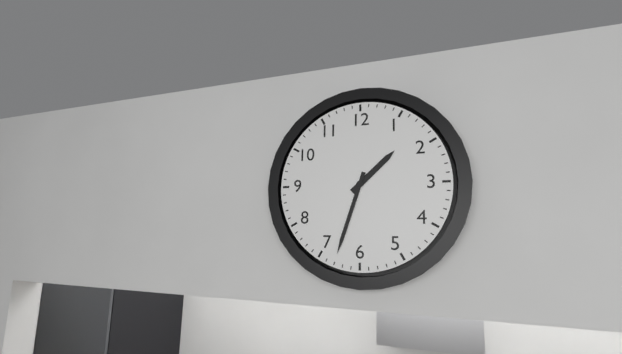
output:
1.33
